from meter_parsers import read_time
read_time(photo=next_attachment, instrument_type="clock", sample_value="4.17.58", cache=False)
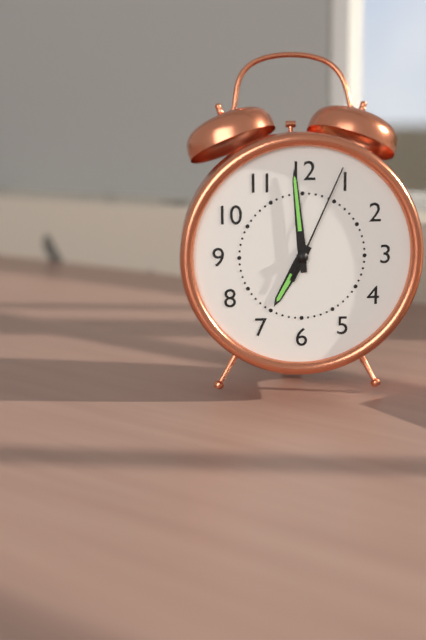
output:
6.59.04
